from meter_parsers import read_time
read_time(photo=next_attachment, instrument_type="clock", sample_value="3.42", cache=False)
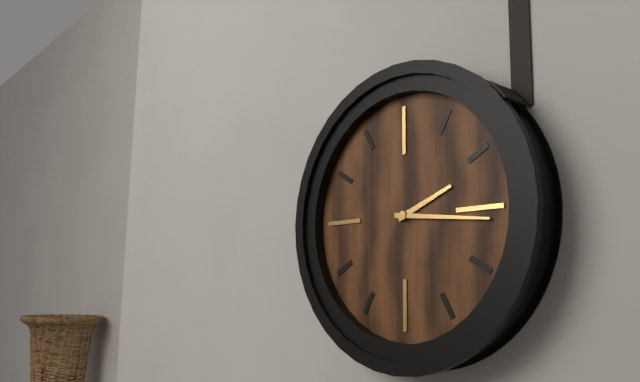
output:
2.16
